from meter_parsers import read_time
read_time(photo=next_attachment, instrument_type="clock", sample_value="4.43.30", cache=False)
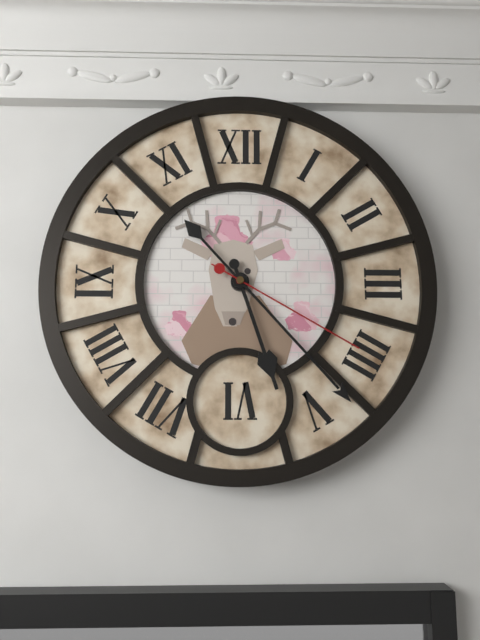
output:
5.23.20
